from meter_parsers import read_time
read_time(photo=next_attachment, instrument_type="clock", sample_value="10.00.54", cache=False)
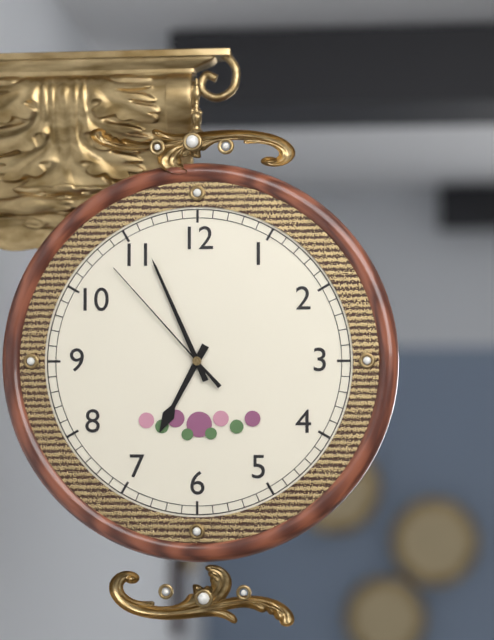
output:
6.56.53
